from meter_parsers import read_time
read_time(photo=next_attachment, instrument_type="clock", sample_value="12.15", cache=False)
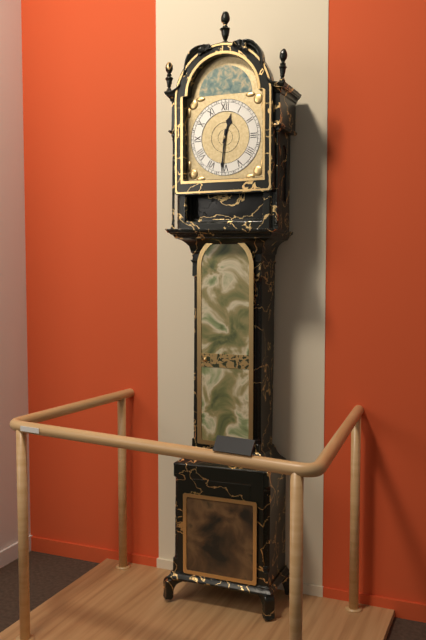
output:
12.31
